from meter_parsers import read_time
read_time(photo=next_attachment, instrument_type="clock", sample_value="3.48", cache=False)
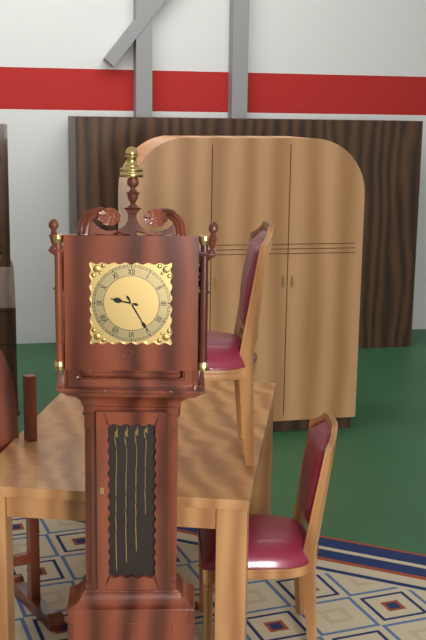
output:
9.25
